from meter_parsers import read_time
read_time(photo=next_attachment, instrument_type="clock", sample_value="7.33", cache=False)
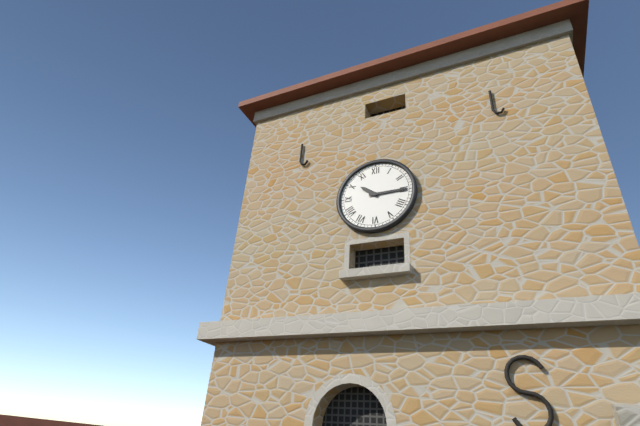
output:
10.15
